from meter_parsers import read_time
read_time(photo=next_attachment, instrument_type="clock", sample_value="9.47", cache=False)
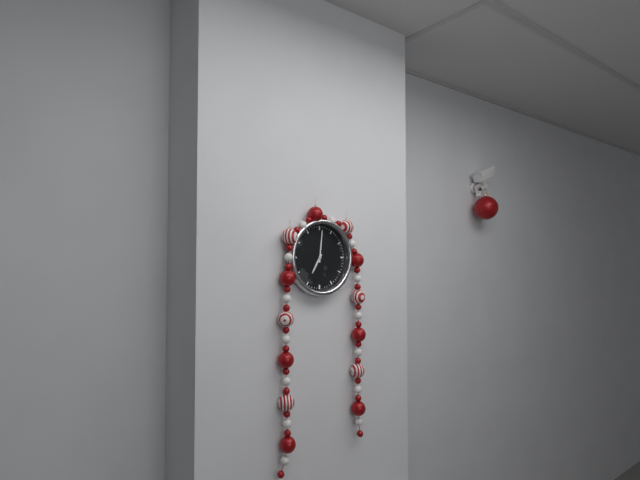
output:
7.01
